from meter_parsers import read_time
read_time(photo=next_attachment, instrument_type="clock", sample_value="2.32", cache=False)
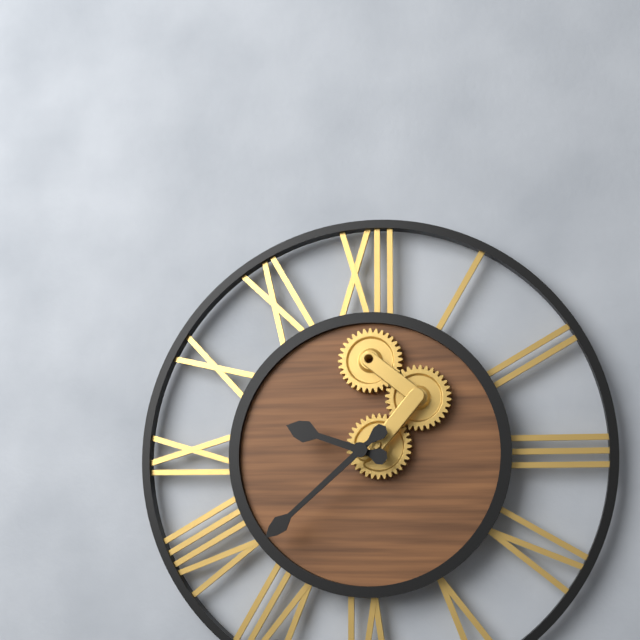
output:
9.38
